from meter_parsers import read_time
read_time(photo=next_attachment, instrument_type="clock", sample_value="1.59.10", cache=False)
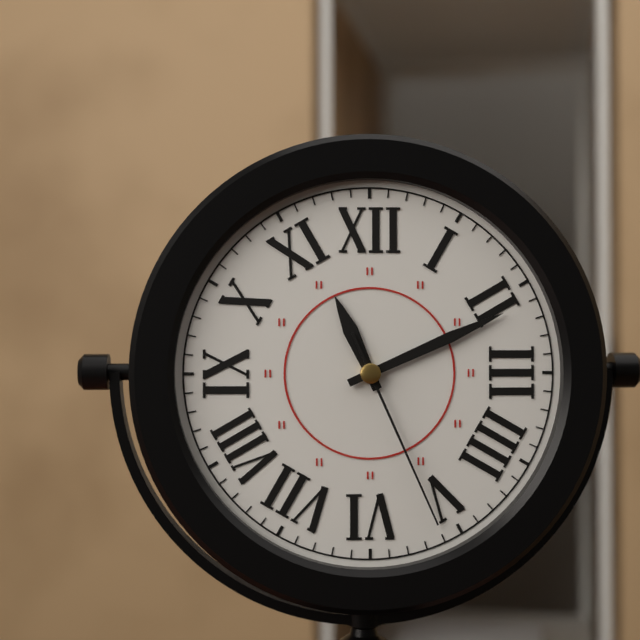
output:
11.11.26
